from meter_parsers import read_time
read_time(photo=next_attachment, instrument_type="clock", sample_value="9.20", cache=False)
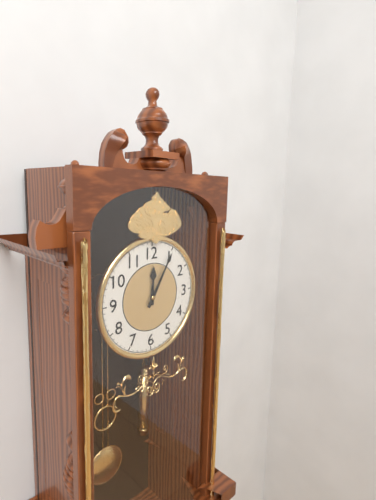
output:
12.05
